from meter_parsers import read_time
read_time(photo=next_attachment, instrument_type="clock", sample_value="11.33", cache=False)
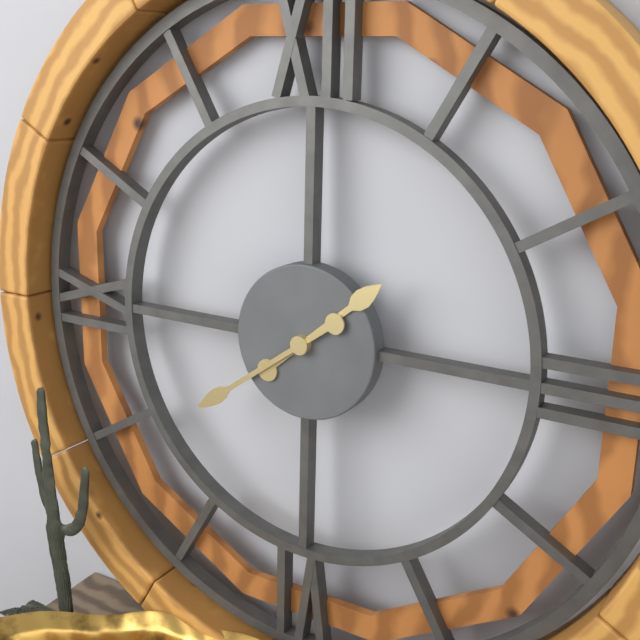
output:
1.39
